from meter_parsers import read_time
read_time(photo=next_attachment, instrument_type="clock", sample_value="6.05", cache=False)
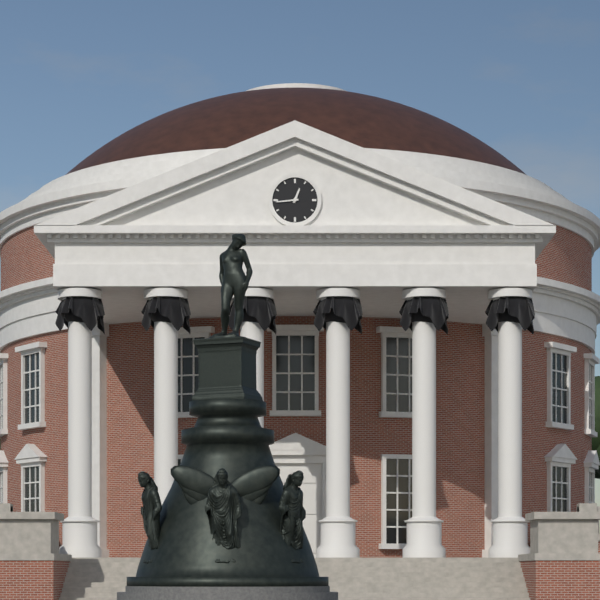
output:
12.44
